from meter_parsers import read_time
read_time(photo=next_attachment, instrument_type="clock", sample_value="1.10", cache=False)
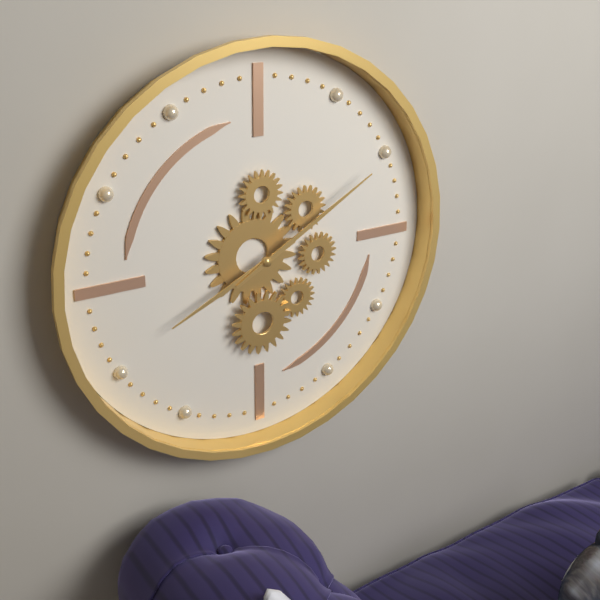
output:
8.10
